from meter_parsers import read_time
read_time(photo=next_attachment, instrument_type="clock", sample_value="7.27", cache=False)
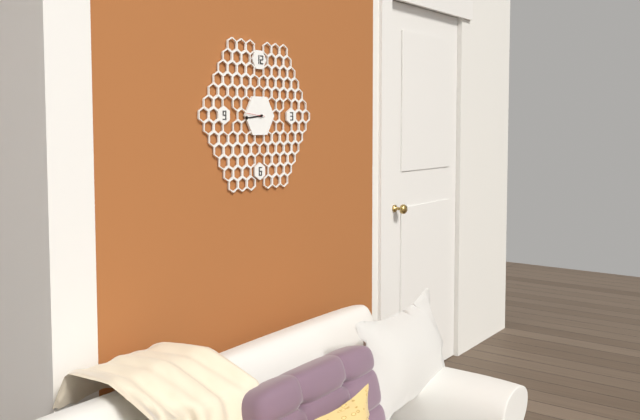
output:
8.44
